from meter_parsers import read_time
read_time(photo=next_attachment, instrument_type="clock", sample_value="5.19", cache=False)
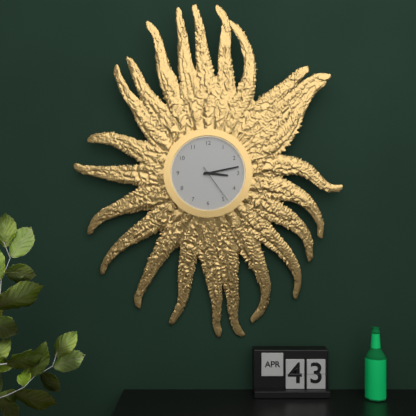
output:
3.13
